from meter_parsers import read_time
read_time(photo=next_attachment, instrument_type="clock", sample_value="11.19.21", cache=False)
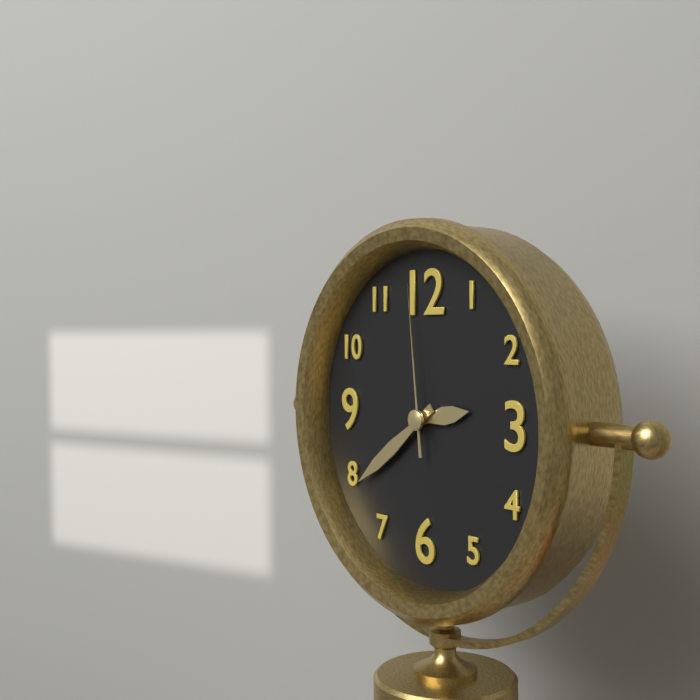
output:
2.39.59
